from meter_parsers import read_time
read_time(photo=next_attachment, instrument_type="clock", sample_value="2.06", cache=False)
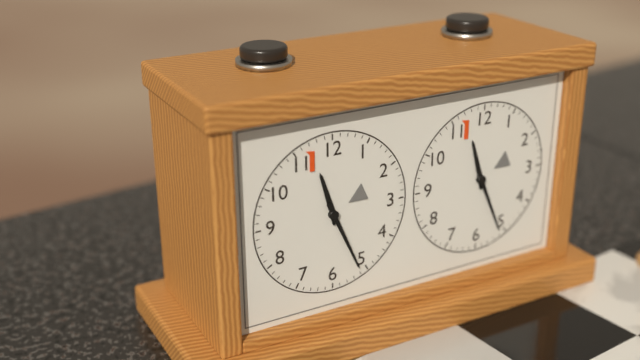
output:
11.26
